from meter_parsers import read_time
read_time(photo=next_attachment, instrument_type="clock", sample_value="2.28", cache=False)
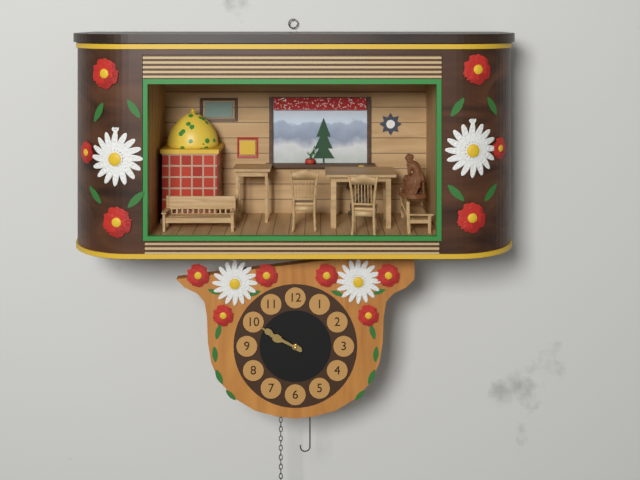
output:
9.50
